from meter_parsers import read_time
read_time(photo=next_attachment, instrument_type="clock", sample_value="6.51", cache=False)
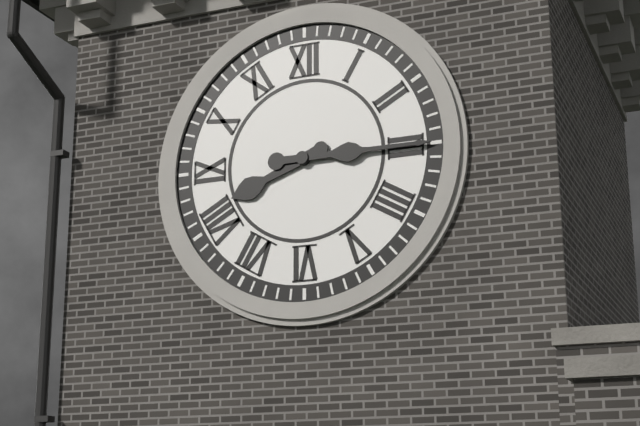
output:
8.15
